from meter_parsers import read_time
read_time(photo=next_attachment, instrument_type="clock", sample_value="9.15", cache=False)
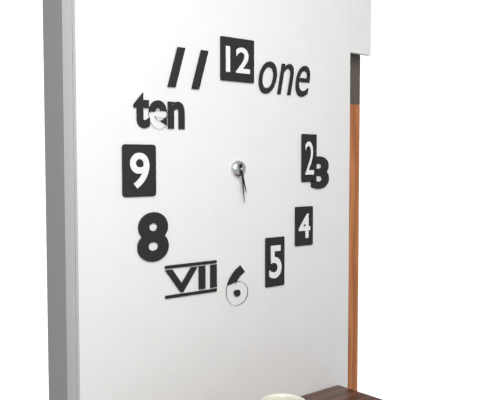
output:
5.29
